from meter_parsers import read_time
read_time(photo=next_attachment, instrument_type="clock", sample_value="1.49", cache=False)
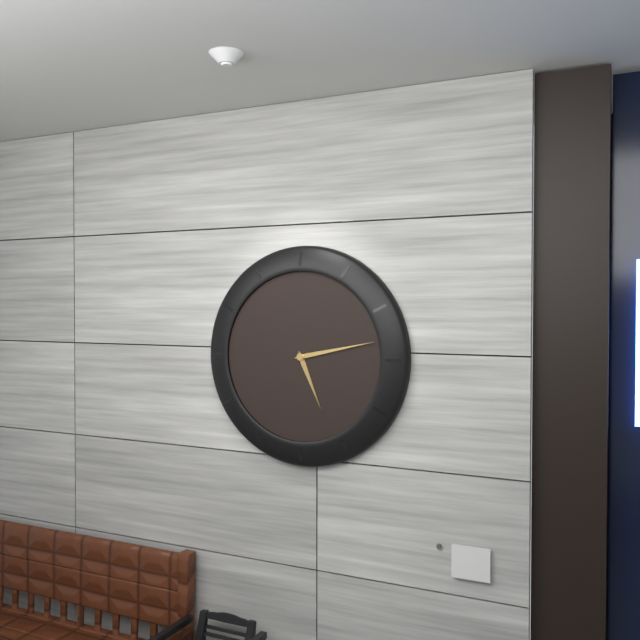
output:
5.13
